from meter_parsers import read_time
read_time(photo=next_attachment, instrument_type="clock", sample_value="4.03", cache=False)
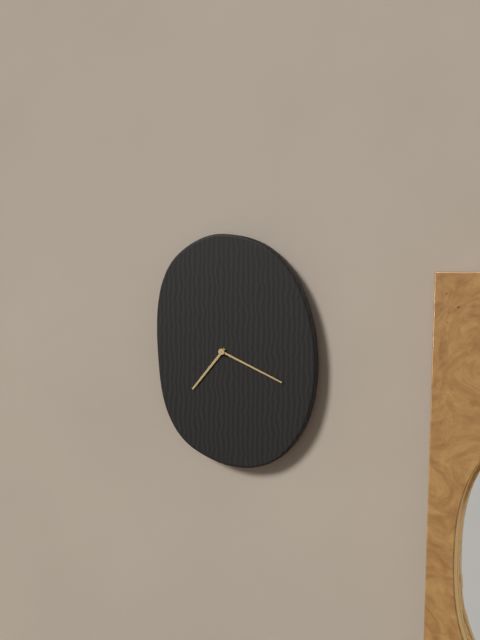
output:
7.19
